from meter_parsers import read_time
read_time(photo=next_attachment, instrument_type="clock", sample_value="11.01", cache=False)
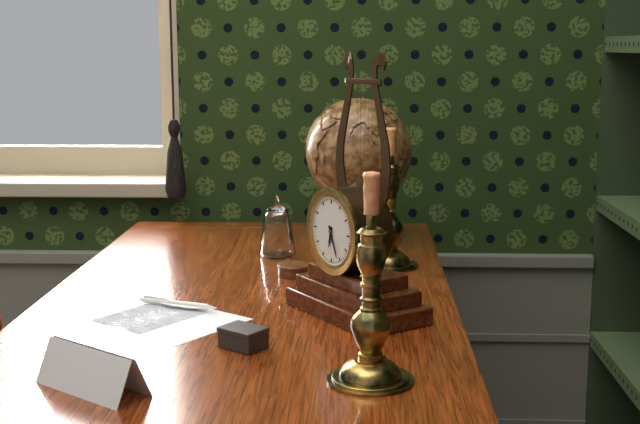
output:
6.26
